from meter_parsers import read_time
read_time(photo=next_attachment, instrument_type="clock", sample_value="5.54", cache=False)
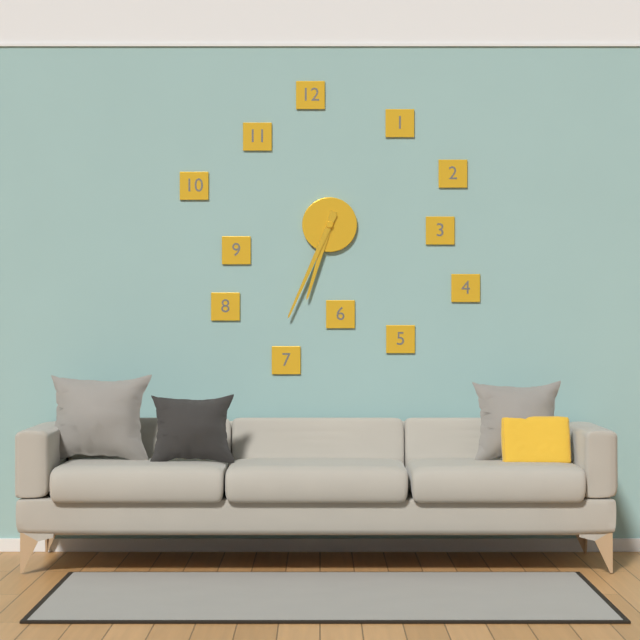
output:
6.34
